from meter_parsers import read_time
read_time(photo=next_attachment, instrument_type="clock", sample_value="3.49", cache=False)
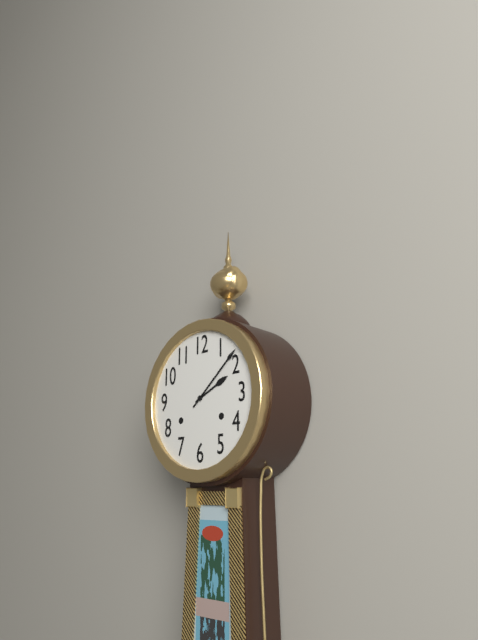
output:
2.08
